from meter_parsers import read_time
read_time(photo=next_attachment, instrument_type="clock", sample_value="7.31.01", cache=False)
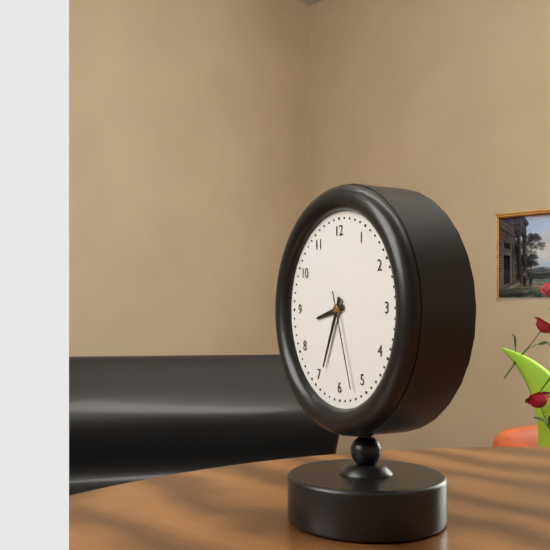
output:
8.34.27
